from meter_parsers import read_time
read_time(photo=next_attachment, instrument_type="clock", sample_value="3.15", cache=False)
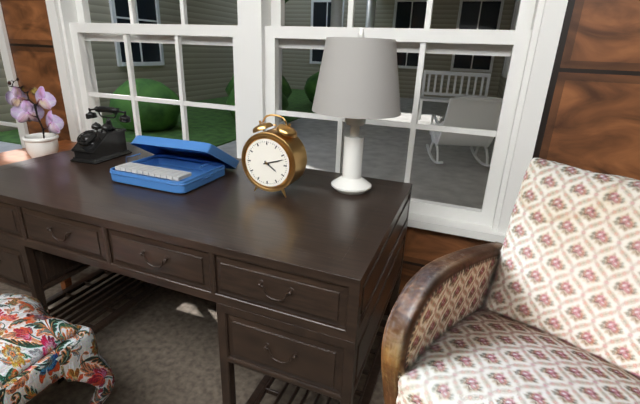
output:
4.12
